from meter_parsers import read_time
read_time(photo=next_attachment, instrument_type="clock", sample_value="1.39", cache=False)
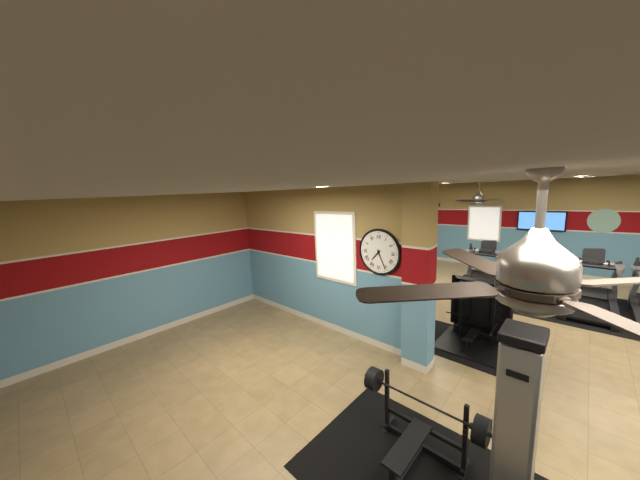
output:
7.26
